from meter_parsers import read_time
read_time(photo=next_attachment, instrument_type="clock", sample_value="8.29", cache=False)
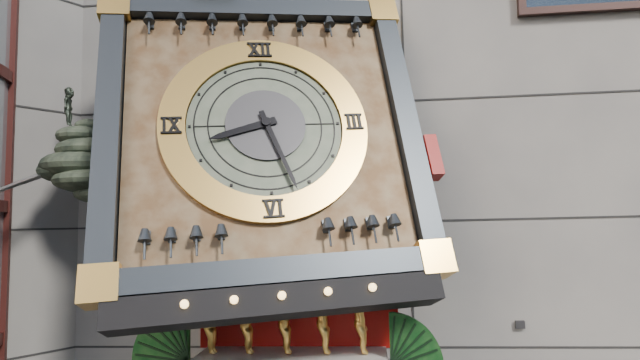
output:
8.27
